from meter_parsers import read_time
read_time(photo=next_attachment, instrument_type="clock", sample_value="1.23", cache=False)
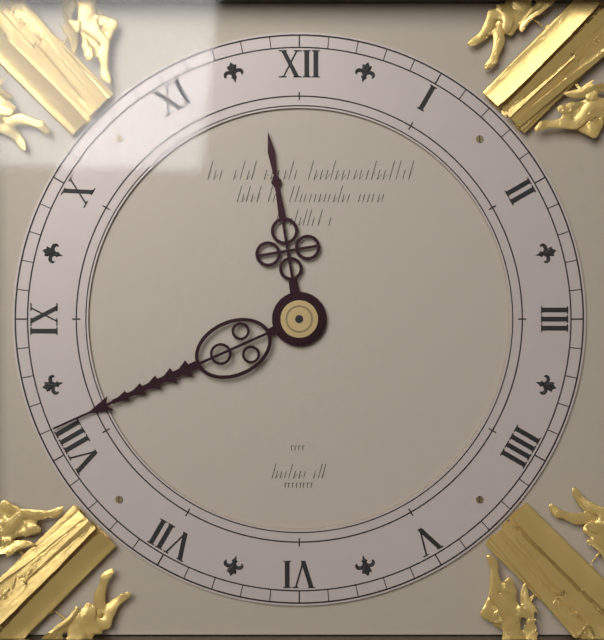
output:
11.41
